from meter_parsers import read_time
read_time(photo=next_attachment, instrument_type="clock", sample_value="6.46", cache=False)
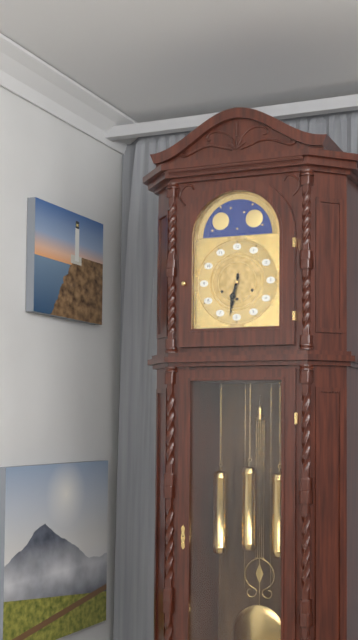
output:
6.32
